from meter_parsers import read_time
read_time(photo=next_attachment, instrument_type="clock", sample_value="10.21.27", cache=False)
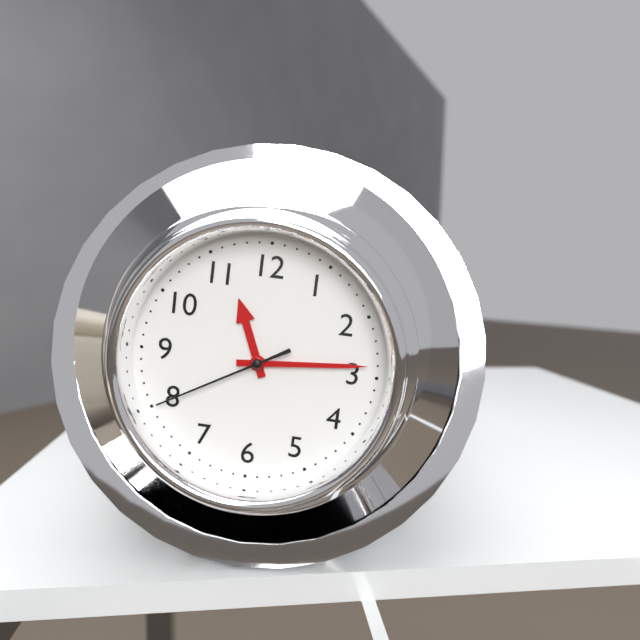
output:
11.14.40
